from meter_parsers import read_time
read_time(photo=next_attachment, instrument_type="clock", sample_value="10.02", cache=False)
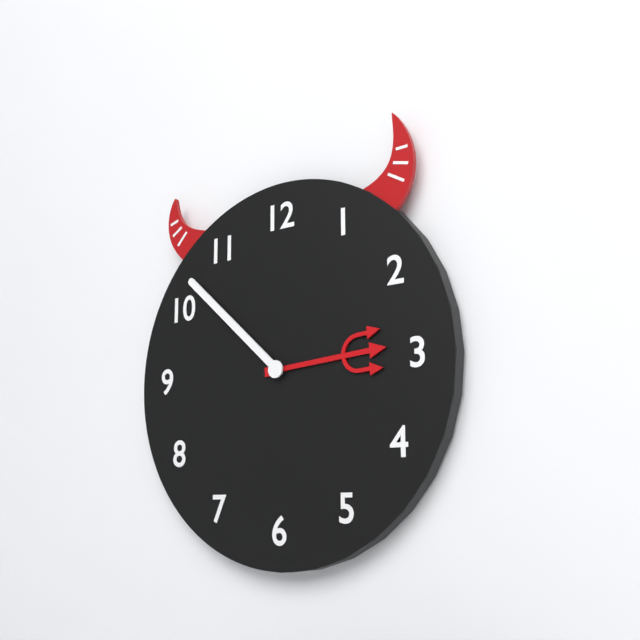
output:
2.52
